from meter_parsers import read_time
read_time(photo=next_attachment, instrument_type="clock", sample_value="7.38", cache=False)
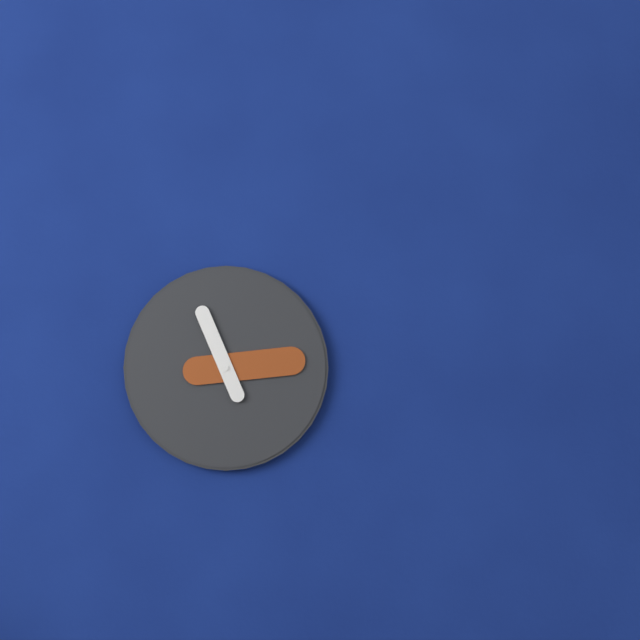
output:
11.14
